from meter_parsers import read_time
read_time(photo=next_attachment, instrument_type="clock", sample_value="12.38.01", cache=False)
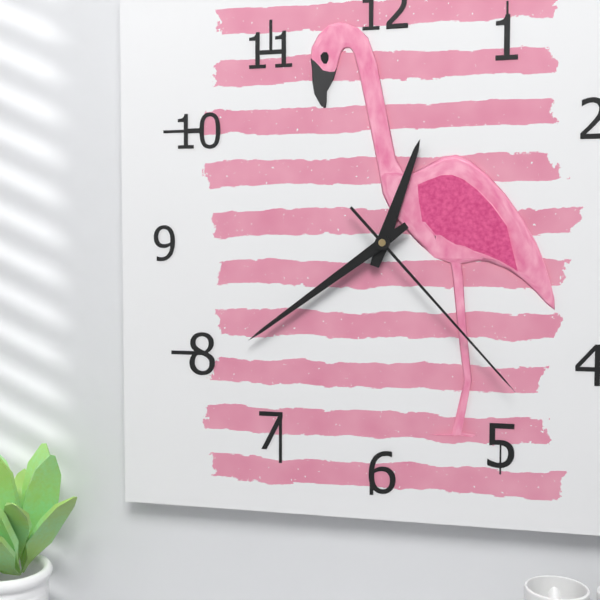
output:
12.39.23
